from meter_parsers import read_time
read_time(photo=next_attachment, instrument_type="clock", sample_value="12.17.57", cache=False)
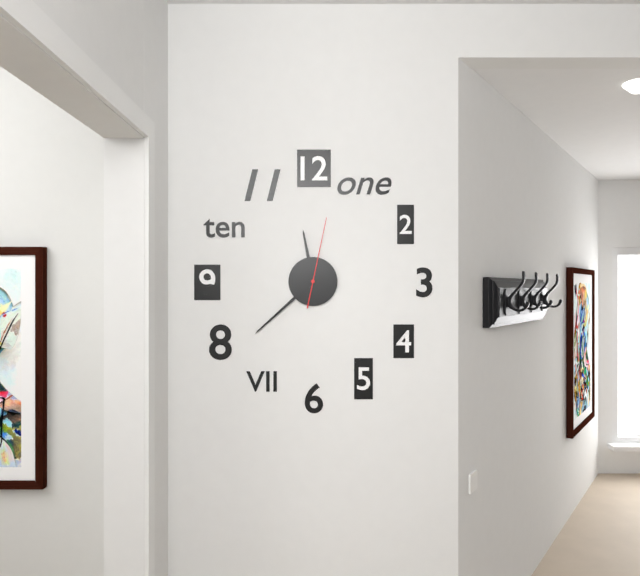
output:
11.38.02
